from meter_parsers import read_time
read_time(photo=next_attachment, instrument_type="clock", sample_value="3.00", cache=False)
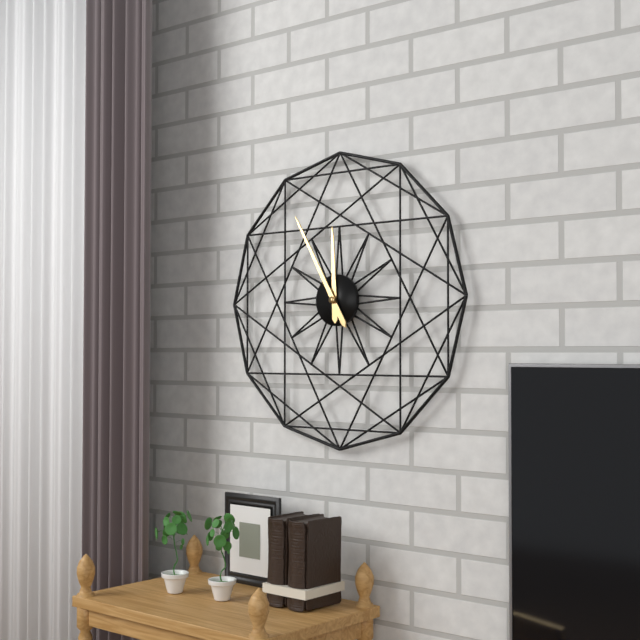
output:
11.55
